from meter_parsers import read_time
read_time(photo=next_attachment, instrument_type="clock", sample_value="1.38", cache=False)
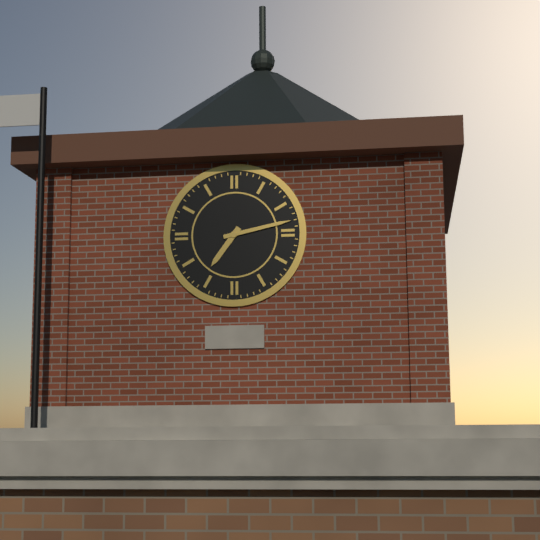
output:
7.13
